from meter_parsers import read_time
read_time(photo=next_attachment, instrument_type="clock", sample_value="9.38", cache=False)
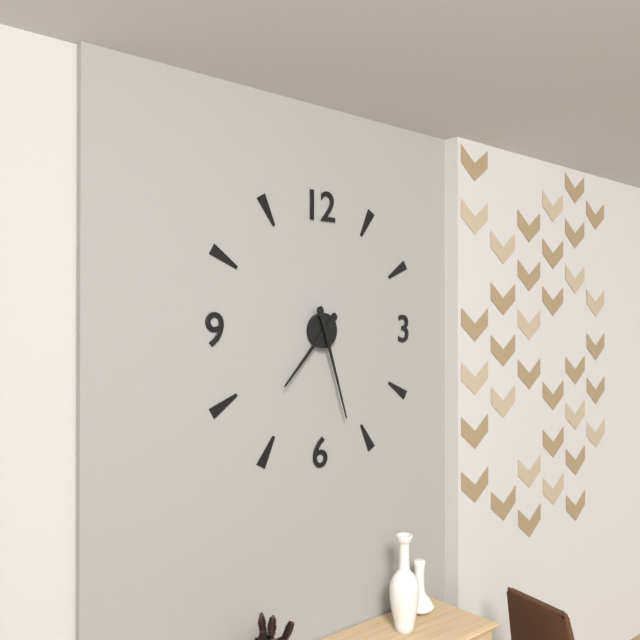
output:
7.27
